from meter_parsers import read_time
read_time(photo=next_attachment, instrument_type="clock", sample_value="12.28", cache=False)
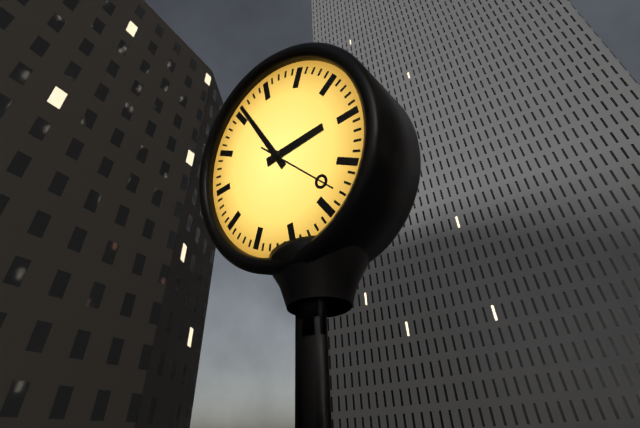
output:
2.56
